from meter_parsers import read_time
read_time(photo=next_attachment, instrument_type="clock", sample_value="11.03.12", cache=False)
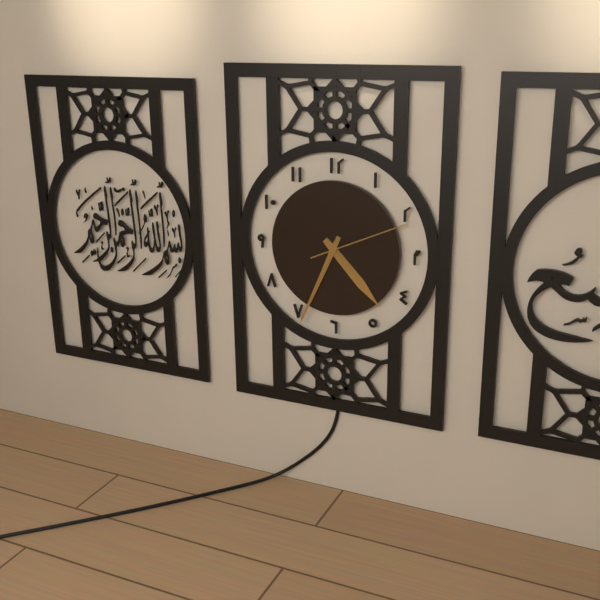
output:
4.34.11
